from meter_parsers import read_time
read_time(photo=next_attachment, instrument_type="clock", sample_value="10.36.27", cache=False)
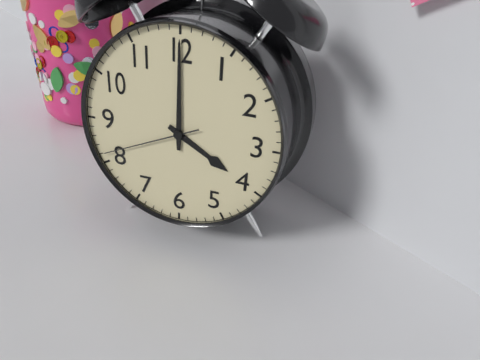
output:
4.00.41
